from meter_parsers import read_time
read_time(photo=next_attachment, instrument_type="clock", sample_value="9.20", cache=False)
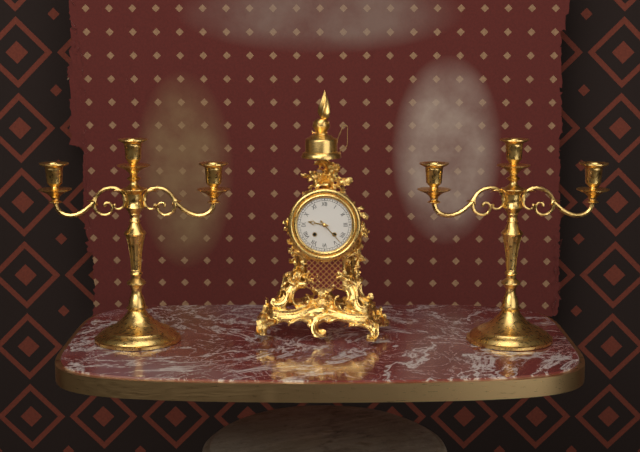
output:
9.23
